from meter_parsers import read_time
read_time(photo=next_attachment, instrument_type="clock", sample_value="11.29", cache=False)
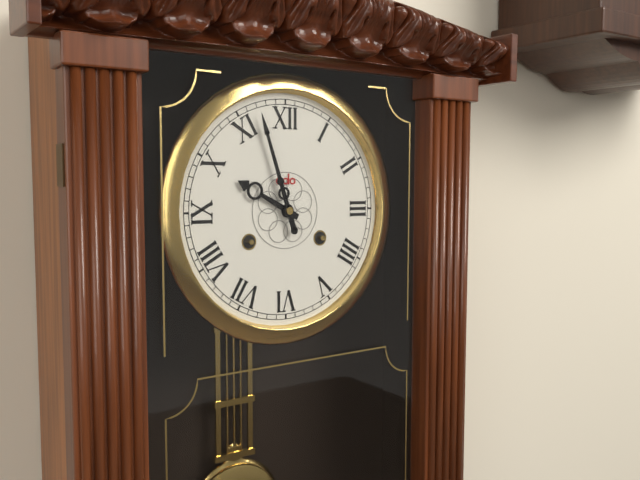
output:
9.57
